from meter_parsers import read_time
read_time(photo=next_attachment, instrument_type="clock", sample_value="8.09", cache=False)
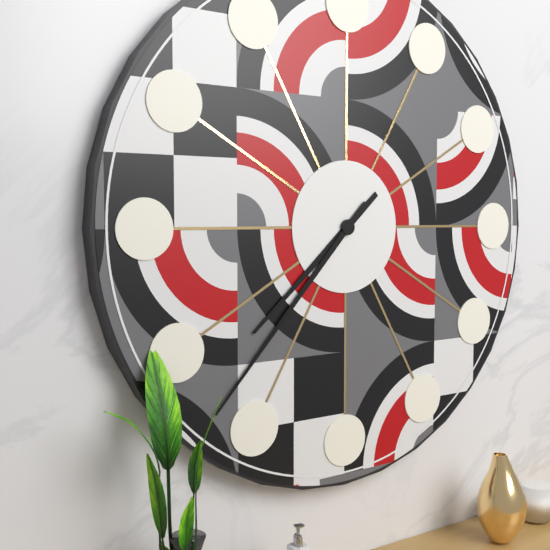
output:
7.37
